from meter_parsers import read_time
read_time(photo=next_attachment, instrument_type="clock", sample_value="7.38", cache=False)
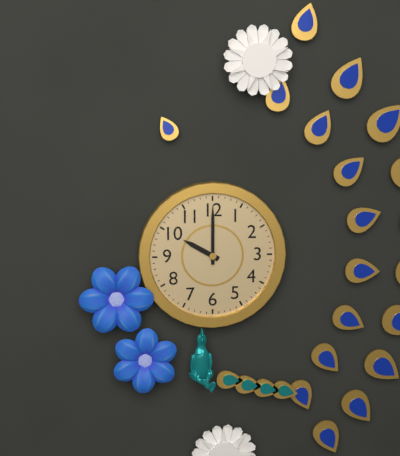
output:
10.00
